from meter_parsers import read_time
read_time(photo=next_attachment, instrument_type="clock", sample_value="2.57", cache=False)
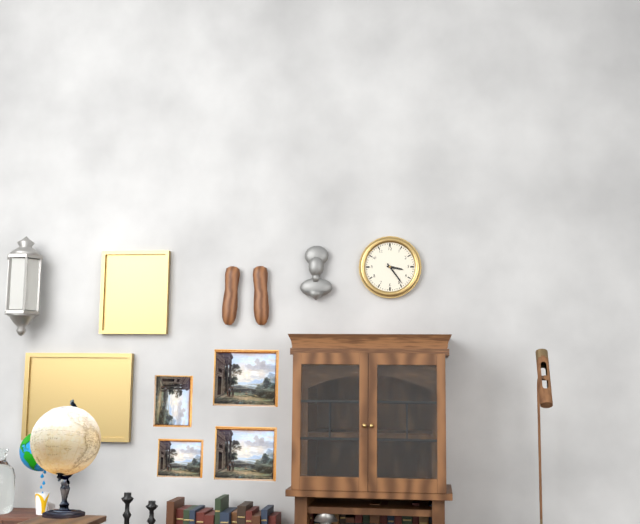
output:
3.24
